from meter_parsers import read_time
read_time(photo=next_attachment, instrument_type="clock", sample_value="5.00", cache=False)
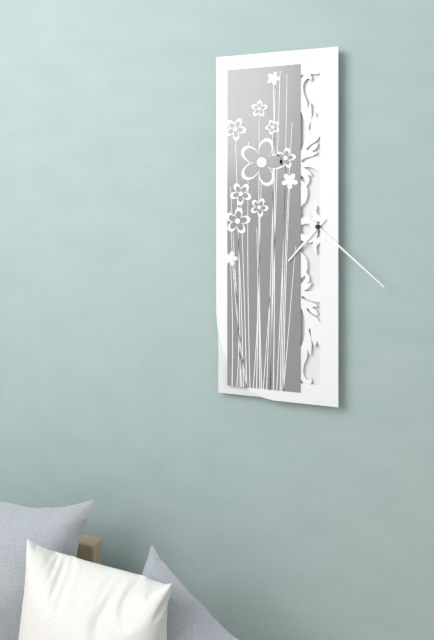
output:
7.22
